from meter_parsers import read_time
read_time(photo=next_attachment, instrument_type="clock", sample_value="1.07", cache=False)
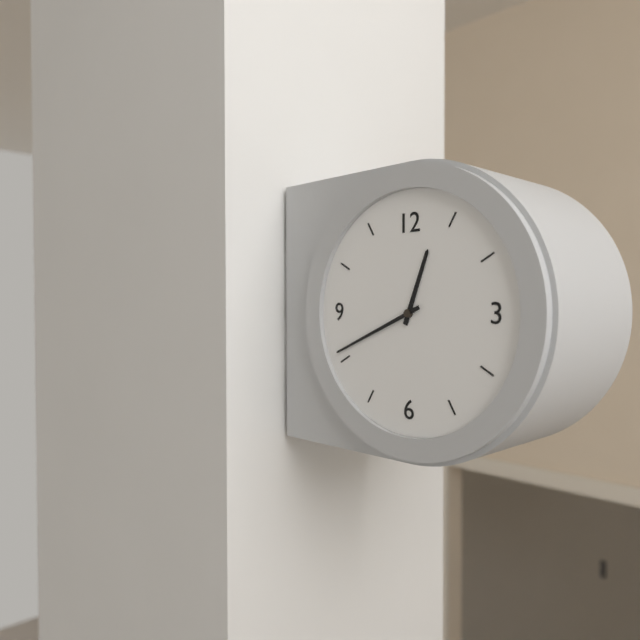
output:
12.41
